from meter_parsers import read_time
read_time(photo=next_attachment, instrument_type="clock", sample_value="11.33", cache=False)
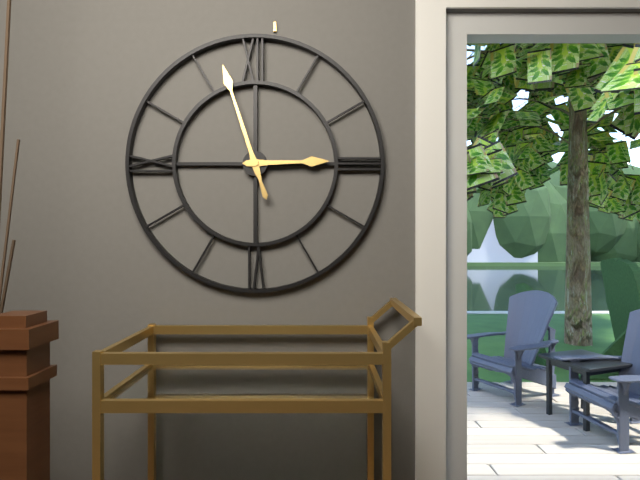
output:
2.57
